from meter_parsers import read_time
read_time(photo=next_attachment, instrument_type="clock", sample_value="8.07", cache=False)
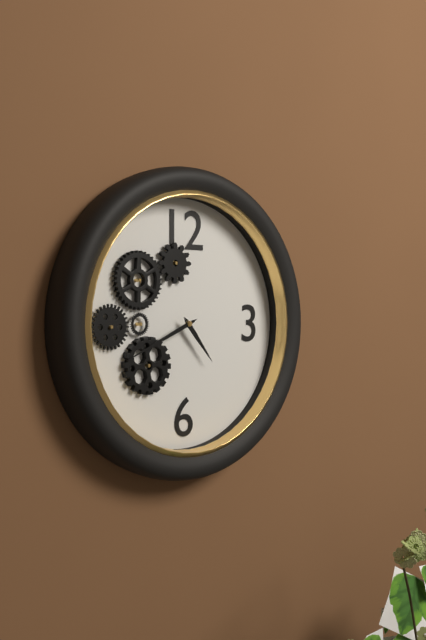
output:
4.41
